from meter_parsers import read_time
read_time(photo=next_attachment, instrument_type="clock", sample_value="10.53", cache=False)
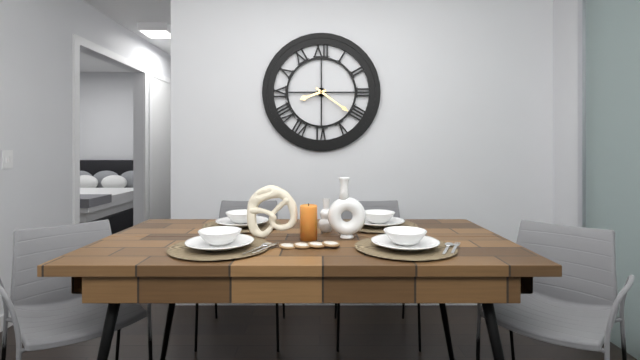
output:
8.21
